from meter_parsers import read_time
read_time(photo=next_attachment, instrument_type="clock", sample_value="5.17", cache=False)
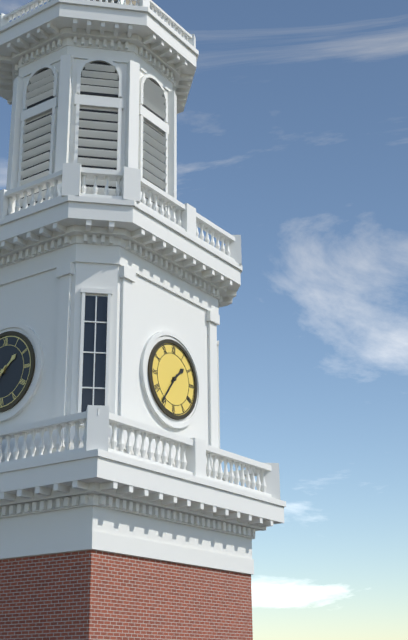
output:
1.36
